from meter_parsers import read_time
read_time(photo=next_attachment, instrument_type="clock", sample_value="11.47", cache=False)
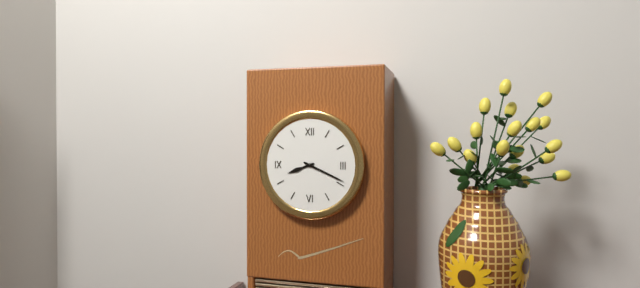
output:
8.19
